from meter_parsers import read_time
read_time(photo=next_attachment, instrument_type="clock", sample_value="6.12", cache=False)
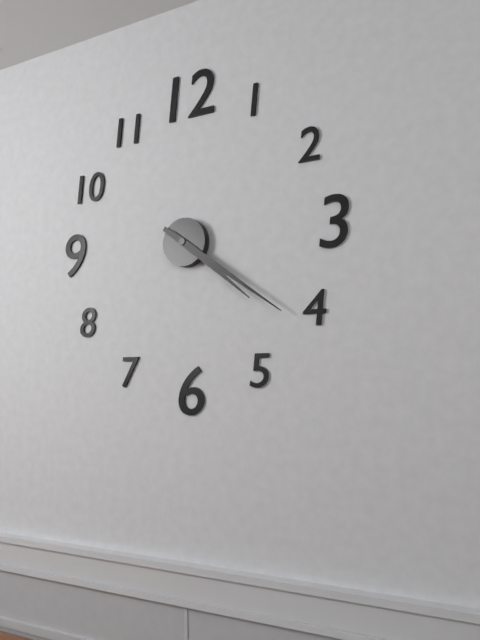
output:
4.21
